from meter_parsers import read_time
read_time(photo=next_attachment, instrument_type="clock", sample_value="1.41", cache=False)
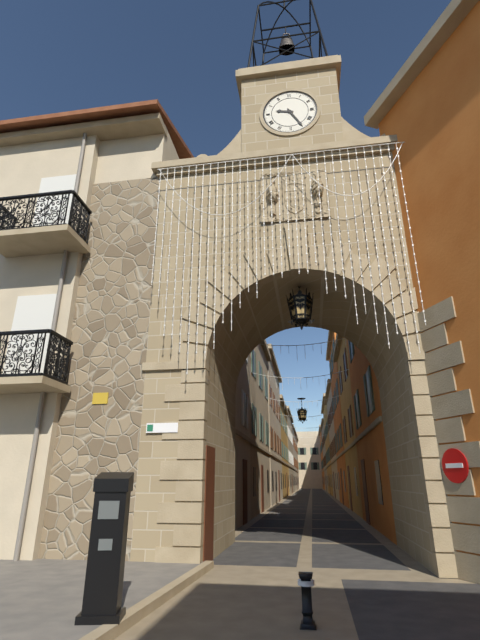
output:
9.25
